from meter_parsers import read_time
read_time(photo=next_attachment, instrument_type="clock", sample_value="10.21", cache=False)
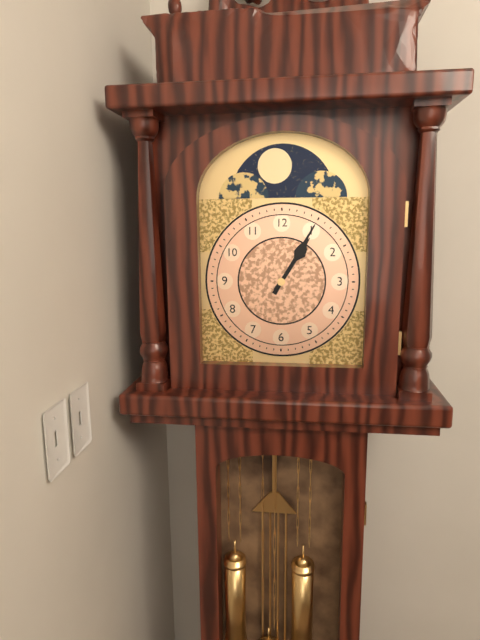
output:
1.05
